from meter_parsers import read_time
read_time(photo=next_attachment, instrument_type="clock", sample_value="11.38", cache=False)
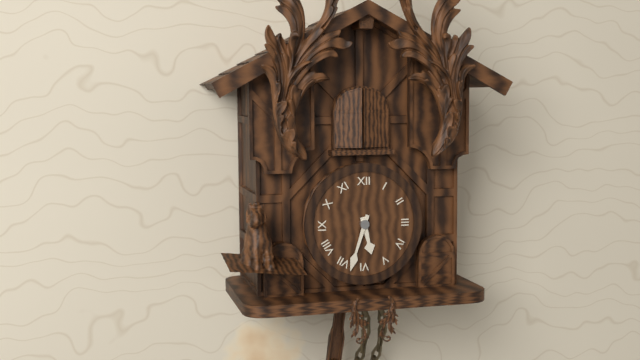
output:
5.33
